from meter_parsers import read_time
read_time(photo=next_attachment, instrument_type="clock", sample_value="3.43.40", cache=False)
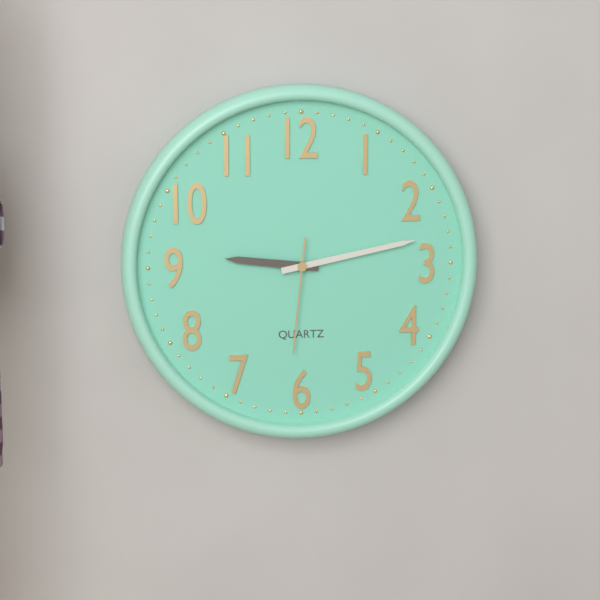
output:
9.13.31
